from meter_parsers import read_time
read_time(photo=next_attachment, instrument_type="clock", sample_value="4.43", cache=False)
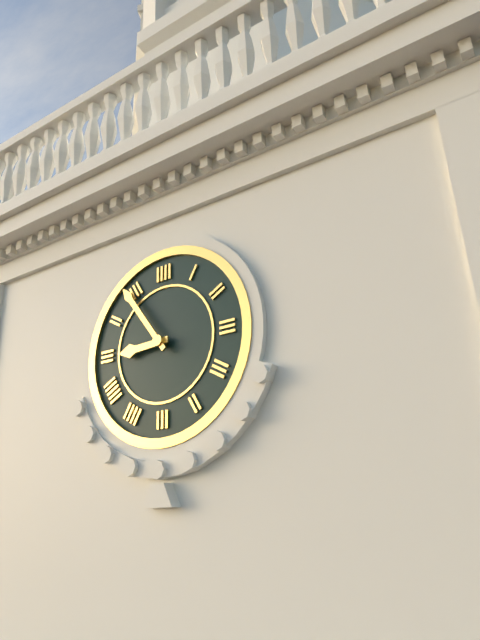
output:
8.54
